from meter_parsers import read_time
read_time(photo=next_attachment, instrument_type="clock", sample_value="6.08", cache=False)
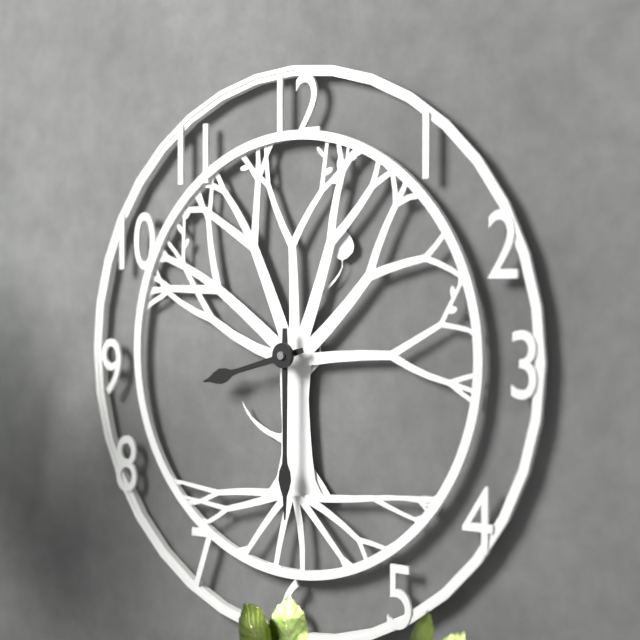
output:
8.30
